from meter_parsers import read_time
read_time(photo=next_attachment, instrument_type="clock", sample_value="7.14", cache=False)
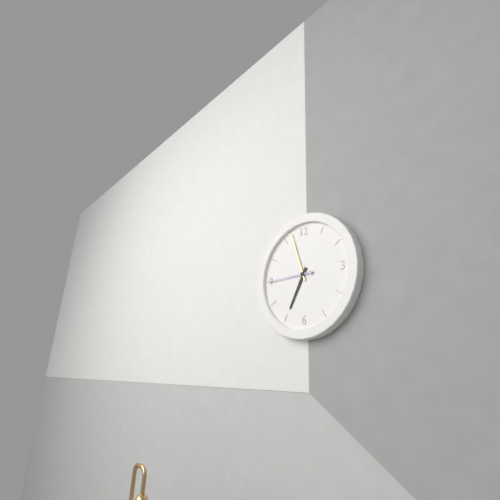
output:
6.57
